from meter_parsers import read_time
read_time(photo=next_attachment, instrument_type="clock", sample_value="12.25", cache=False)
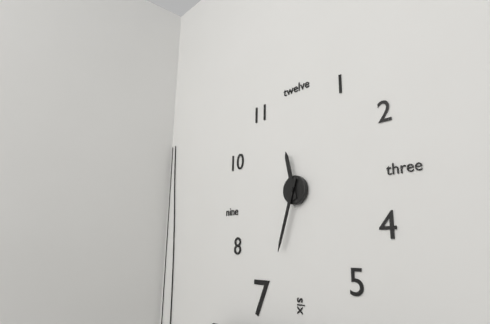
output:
11.33
